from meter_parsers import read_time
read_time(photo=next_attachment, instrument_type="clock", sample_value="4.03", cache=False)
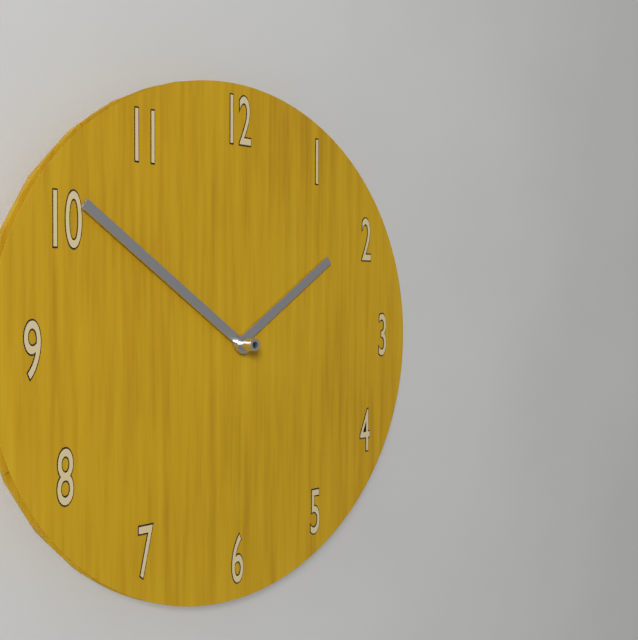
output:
1.51
